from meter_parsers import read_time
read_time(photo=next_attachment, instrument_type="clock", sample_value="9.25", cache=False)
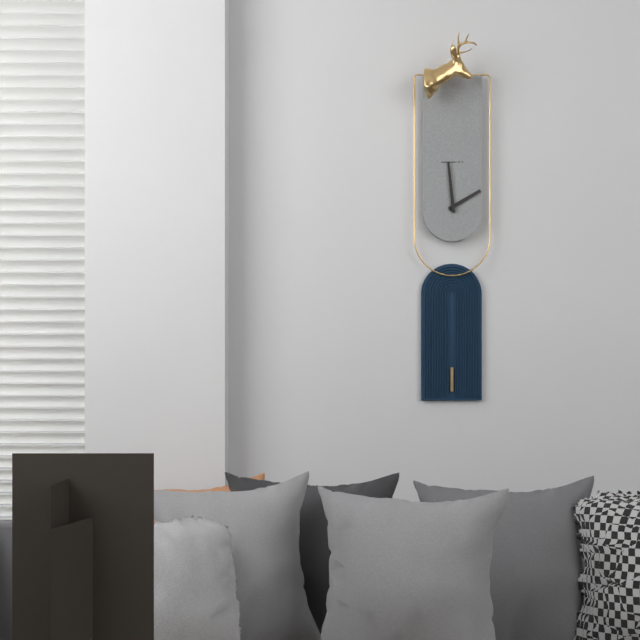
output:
1.59
